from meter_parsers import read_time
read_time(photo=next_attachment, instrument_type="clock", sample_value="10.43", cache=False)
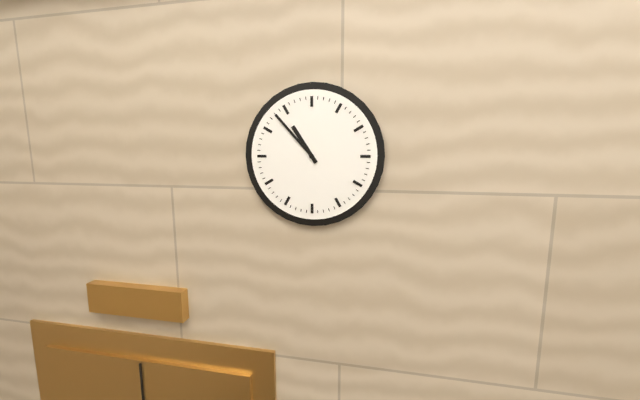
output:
10.53
